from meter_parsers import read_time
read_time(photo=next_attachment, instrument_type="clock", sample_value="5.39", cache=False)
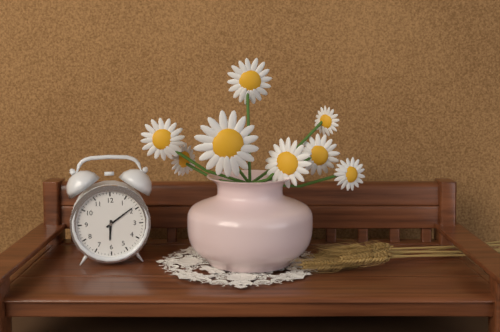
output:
6.09
